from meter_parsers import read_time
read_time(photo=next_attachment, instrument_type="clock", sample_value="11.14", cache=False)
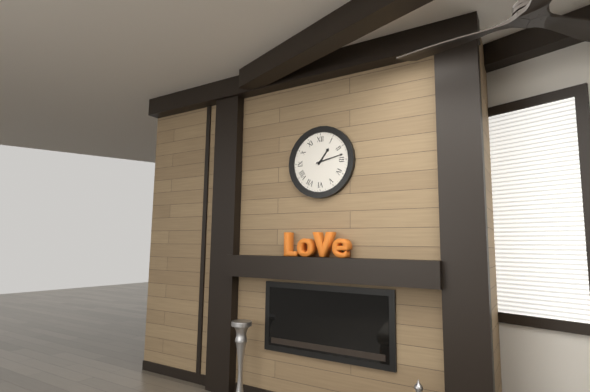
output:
1.13
